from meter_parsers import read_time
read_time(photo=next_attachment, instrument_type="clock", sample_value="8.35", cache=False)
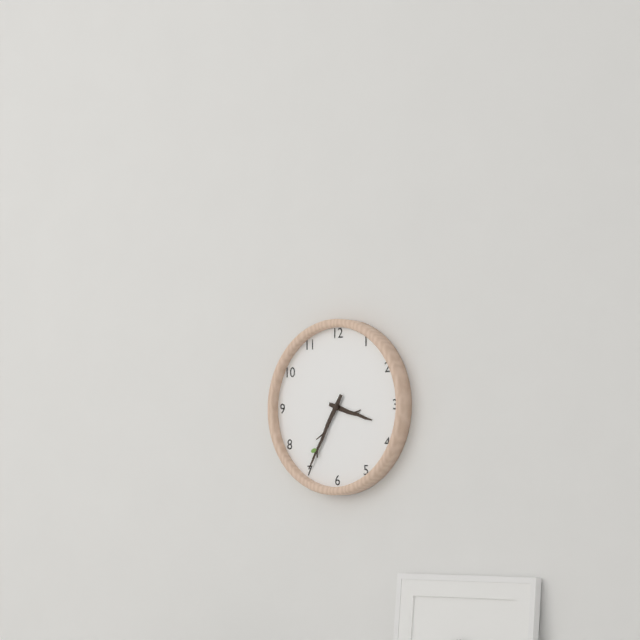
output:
3.35
